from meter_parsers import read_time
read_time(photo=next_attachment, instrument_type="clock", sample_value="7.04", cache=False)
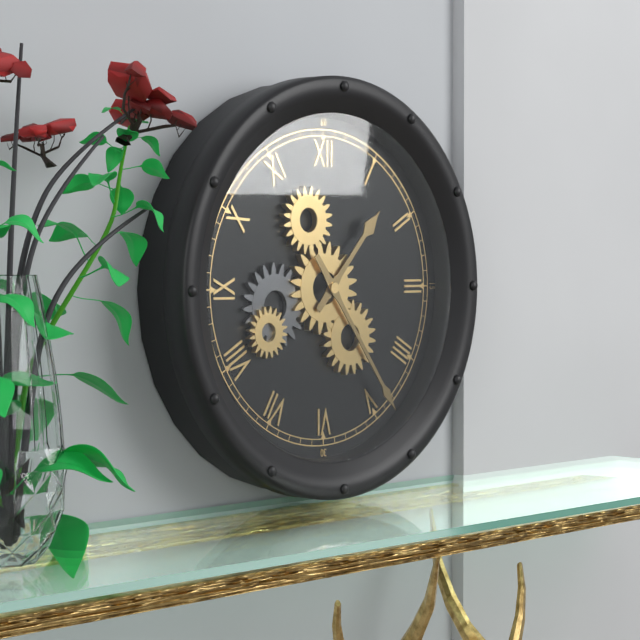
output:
1.24
